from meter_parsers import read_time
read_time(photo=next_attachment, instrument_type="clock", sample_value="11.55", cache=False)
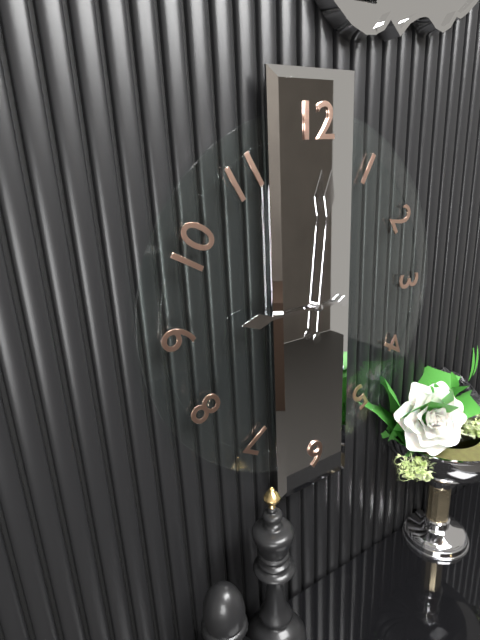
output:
9.01
